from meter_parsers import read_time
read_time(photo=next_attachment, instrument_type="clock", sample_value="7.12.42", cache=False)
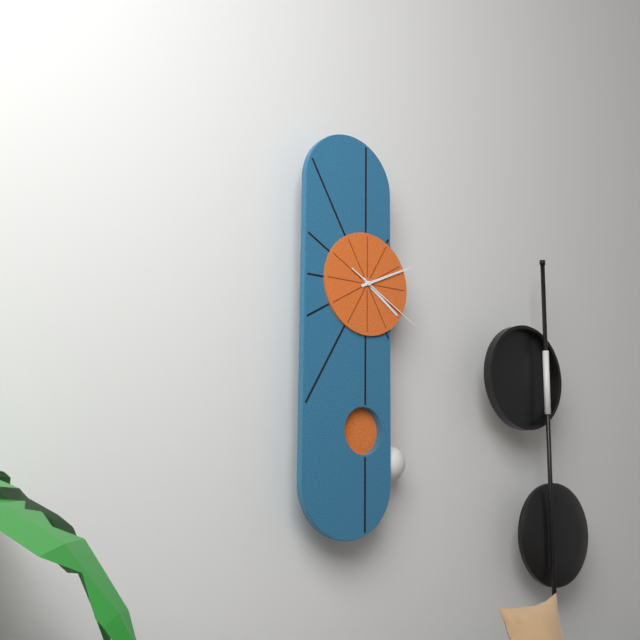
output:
4.11.20
